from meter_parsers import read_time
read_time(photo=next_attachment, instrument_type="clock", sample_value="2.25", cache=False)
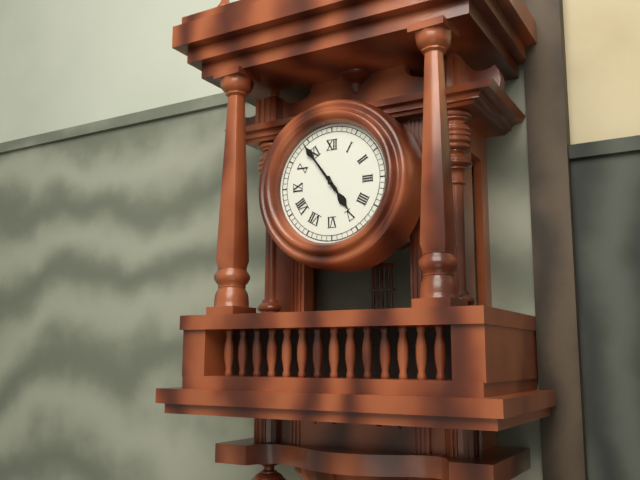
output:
4.54
